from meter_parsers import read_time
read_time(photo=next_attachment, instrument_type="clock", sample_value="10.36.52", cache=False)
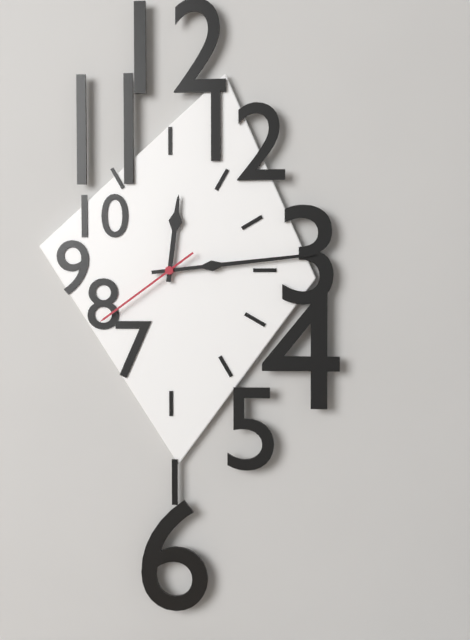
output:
12.14.39
